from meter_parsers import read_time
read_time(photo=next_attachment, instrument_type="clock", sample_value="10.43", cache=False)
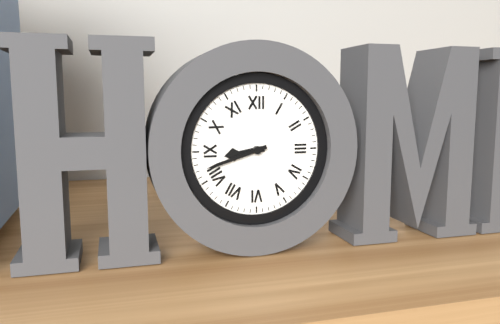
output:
8.42
